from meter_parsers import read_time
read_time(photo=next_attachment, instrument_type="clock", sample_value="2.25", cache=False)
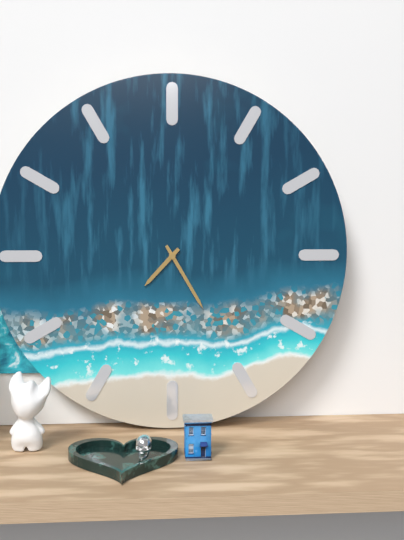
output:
7.25
